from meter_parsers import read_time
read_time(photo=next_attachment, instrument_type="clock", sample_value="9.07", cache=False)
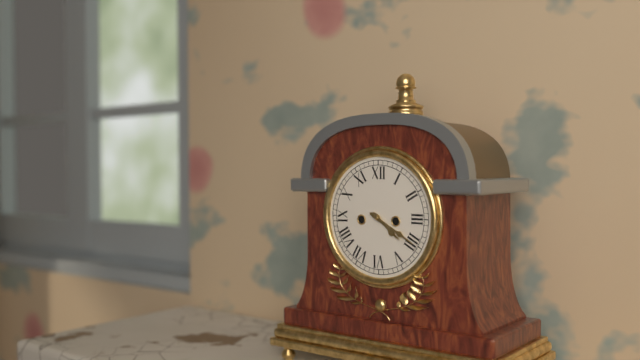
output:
4.20
